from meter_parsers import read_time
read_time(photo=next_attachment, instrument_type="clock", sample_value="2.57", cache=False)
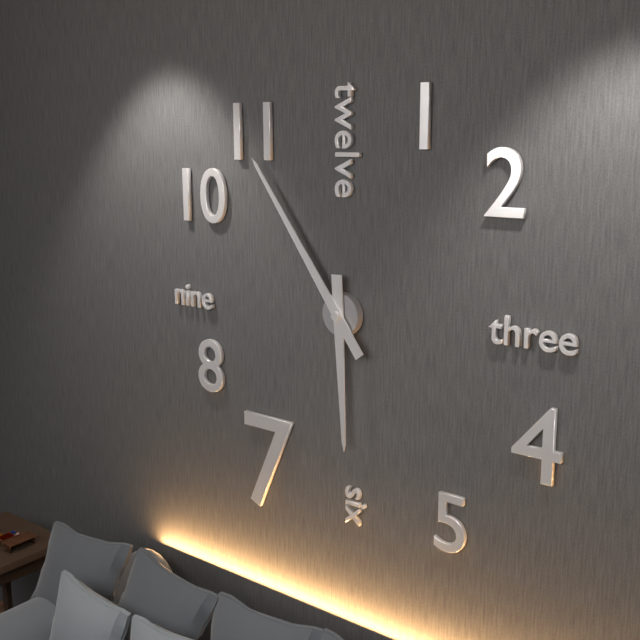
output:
5.54
